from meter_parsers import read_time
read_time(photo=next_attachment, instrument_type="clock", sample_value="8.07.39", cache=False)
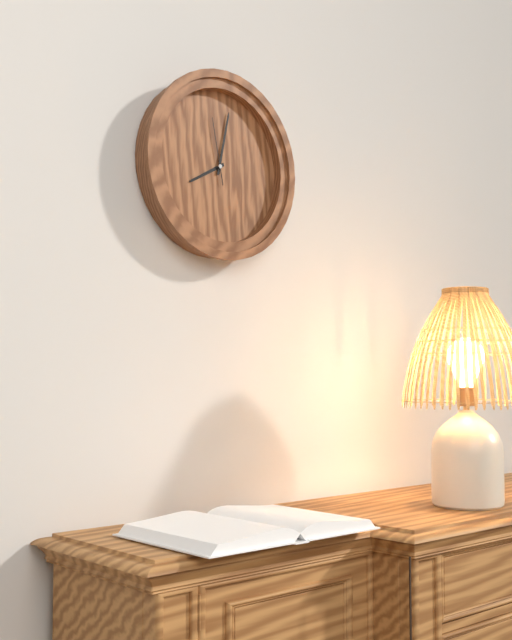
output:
8.02.58
